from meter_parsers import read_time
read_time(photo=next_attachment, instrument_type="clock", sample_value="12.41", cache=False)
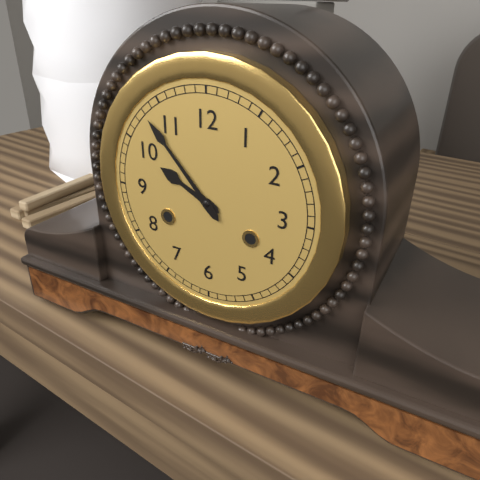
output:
9.53
